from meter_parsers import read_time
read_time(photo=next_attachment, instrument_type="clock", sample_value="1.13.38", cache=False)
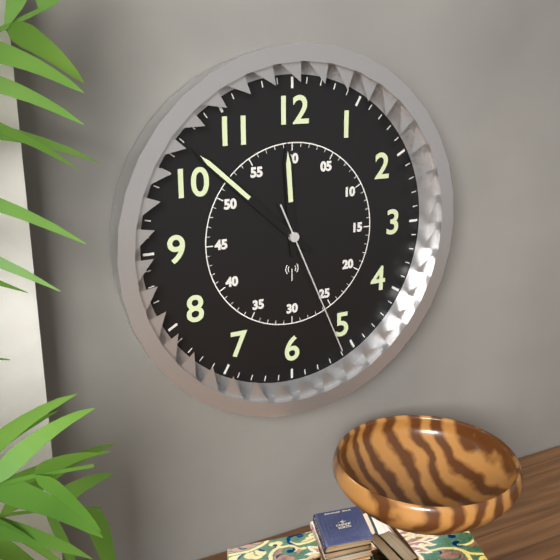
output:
11.52.26
